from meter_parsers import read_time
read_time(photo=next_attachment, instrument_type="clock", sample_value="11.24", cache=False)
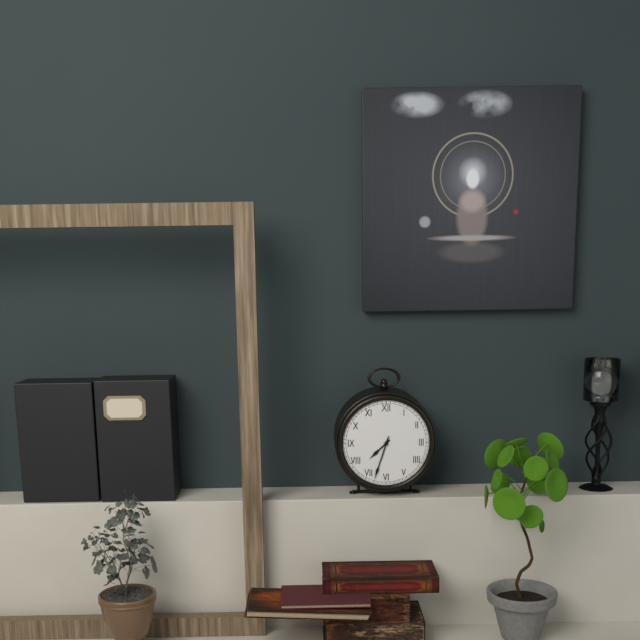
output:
7.33
